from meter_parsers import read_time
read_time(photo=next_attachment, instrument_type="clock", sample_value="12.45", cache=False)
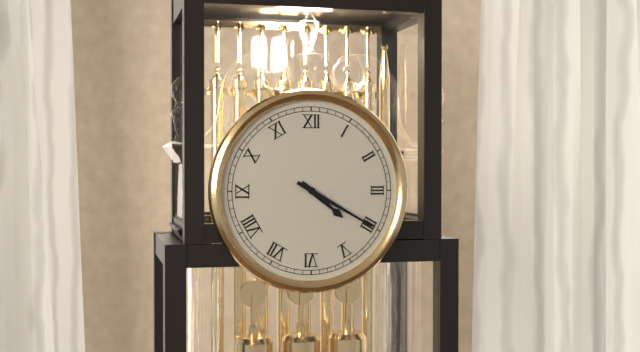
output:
4.20
